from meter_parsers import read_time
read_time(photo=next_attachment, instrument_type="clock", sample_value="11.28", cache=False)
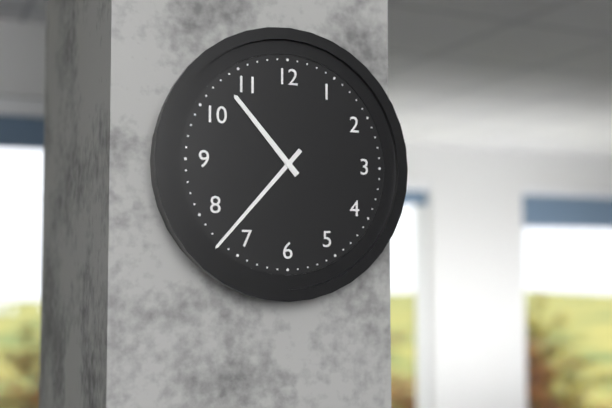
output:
10.37
